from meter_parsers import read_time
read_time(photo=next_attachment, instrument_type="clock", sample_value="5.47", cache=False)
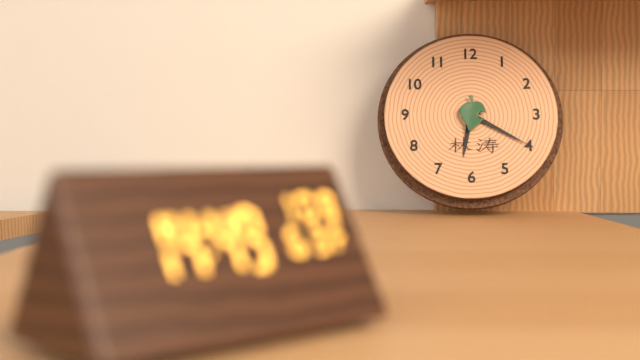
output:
6.20
